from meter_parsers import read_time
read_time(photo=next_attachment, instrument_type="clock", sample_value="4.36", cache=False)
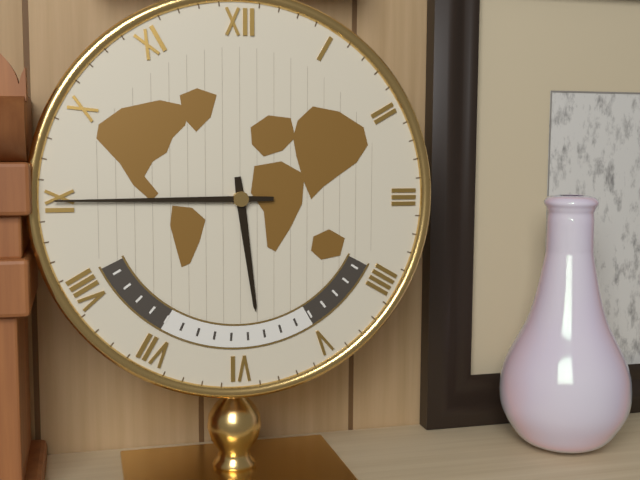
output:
5.45
